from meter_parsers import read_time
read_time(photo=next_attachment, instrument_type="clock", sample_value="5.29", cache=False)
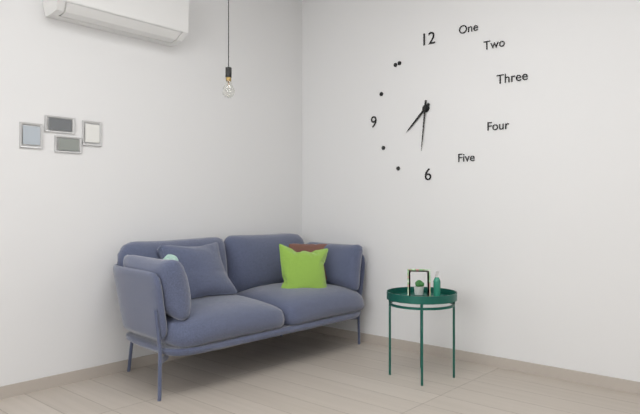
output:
7.31
